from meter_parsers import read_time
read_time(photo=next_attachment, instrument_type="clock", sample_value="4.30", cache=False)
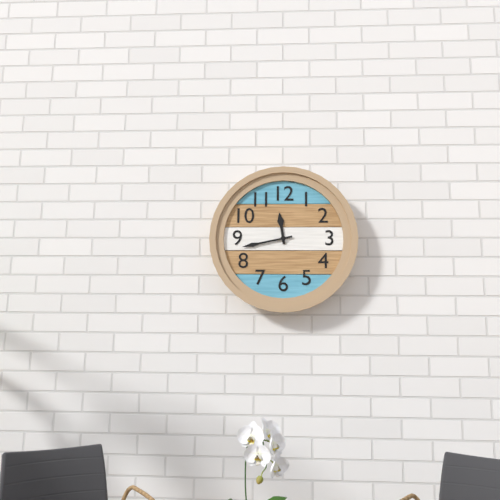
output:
11.43
